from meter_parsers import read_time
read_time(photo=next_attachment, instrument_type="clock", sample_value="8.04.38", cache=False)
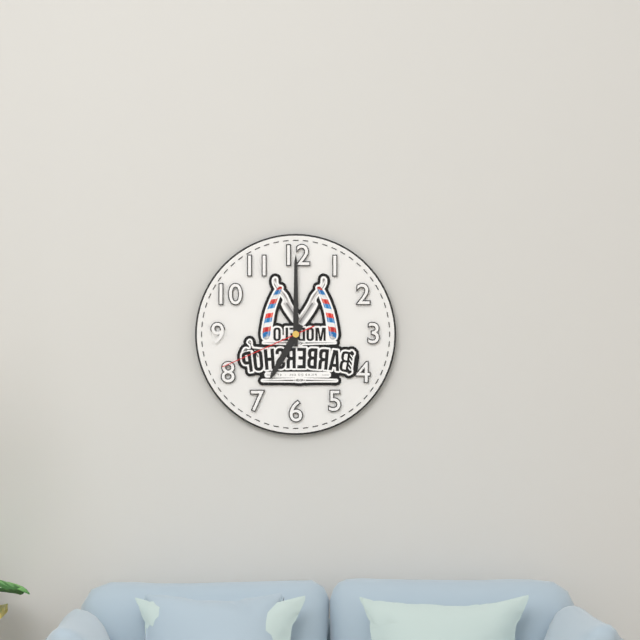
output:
7.00.41
